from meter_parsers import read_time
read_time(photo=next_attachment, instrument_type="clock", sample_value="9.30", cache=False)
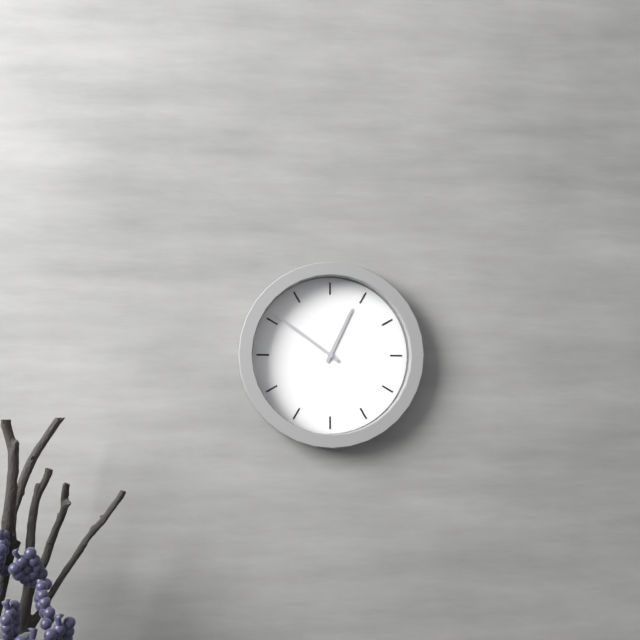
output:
12.51
